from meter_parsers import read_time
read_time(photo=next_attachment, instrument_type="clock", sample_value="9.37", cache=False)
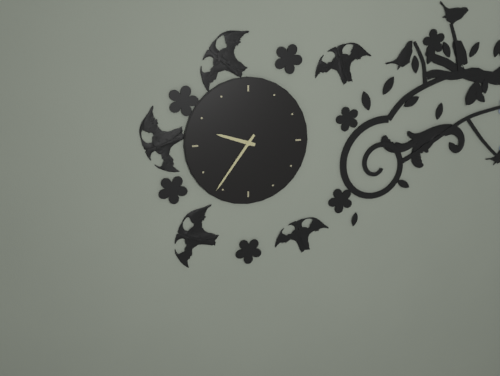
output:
9.36
